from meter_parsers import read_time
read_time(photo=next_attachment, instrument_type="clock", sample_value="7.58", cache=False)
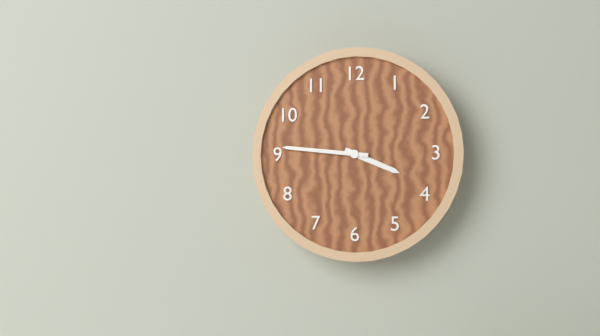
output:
3.46
